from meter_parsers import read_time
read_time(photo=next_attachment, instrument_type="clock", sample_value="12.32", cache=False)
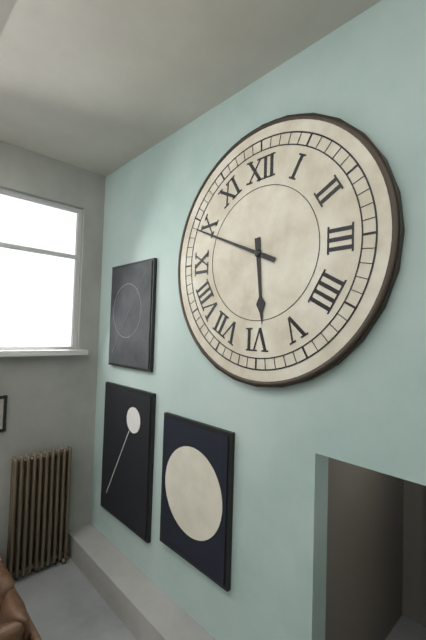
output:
5.49
